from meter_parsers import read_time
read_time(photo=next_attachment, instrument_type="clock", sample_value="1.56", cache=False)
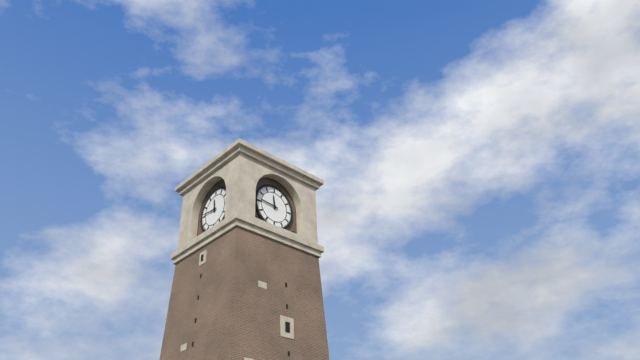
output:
11.46
